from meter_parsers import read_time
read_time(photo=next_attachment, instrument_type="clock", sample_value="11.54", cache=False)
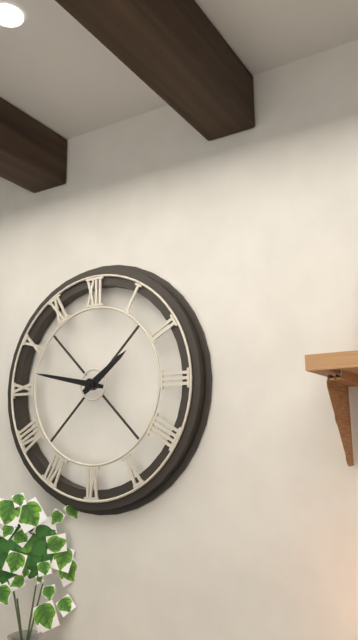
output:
1.47
